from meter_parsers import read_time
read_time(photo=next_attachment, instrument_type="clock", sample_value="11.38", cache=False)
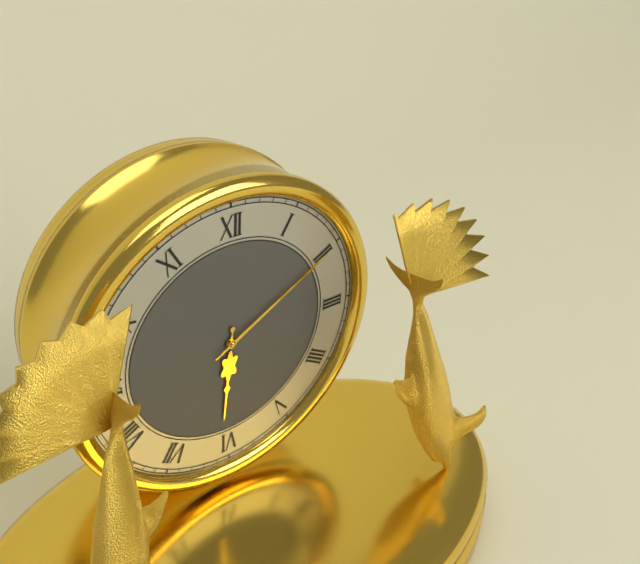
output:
6.10
